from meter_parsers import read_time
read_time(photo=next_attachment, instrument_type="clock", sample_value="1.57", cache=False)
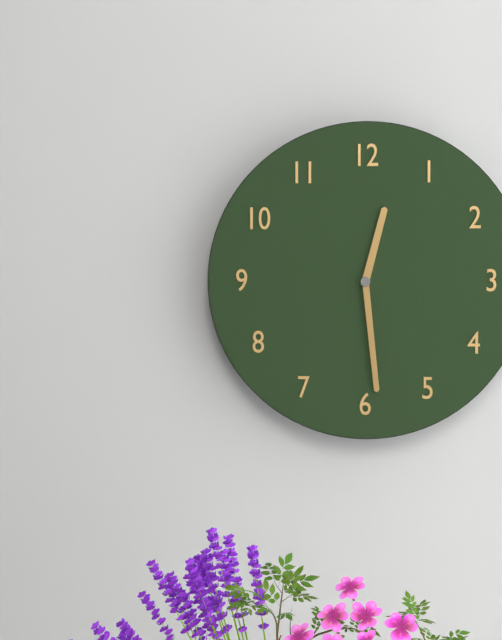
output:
12.29
